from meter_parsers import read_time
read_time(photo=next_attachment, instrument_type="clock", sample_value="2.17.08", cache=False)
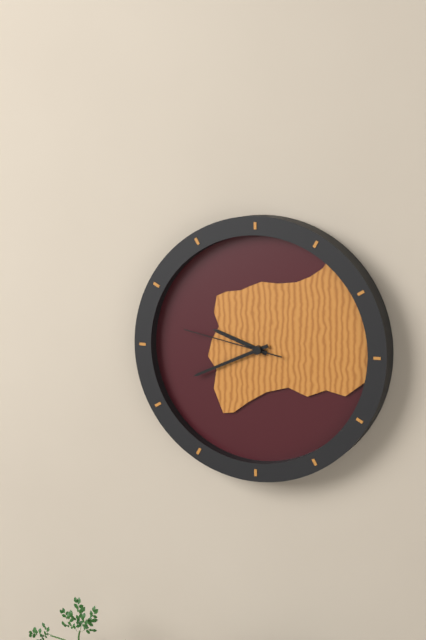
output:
9.41.47
